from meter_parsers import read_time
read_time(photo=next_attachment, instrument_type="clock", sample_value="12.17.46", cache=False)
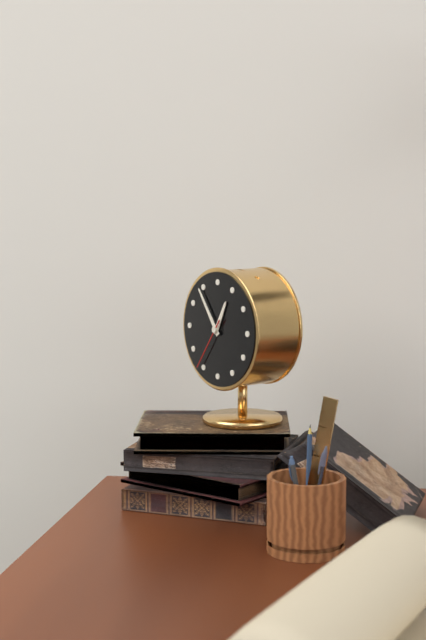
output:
12.54.36
